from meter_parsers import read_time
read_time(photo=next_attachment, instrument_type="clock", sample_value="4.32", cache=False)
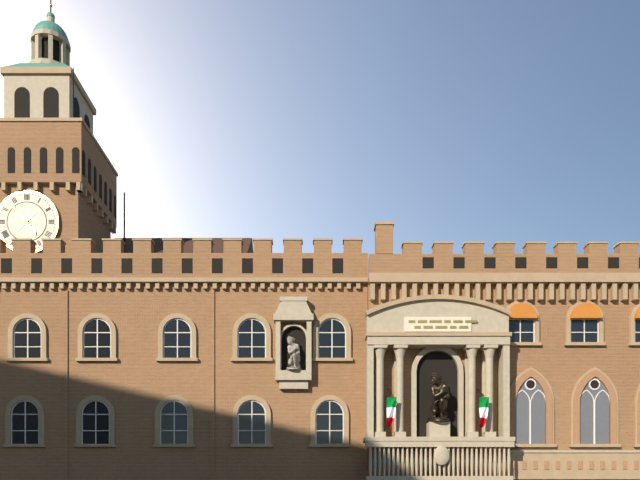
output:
4.53
